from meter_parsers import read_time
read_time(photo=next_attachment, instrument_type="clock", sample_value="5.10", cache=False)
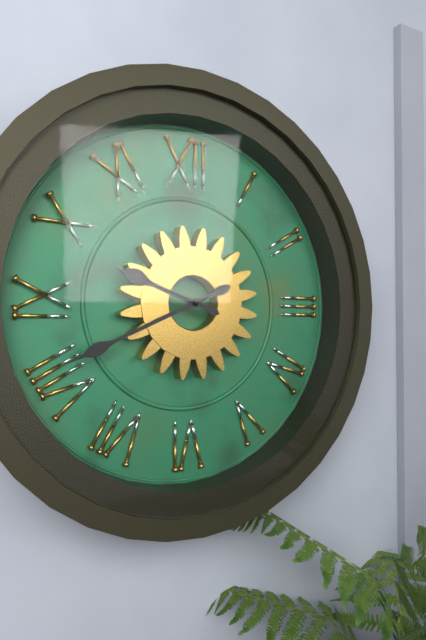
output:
9.41
